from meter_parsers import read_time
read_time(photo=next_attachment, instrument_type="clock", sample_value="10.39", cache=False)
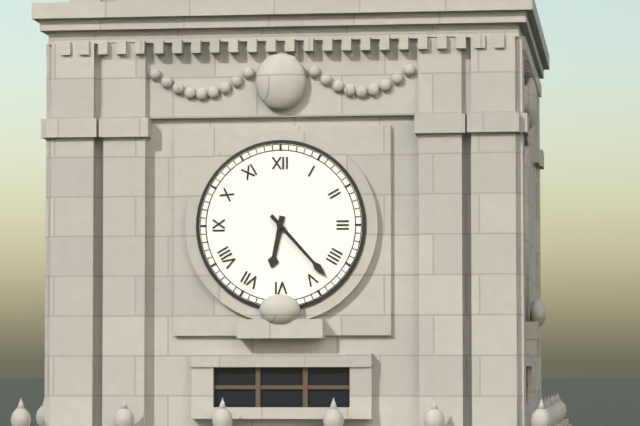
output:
6.23
